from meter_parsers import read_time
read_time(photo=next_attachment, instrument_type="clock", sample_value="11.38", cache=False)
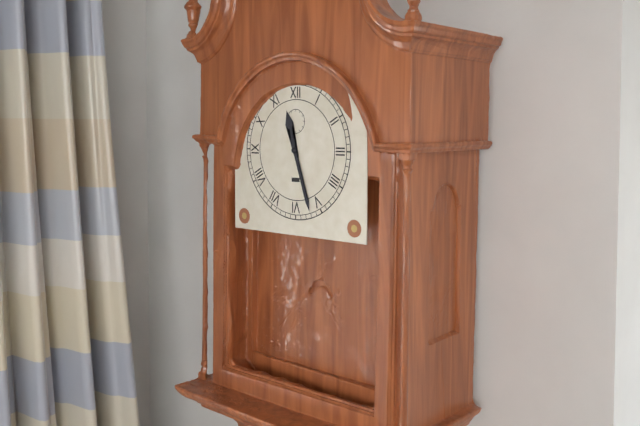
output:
11.27
